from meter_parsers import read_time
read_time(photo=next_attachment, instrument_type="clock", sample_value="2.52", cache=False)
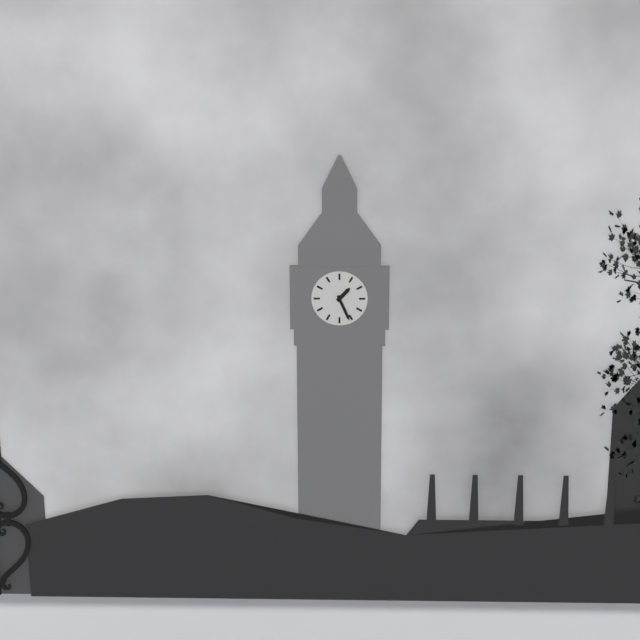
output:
1.26
